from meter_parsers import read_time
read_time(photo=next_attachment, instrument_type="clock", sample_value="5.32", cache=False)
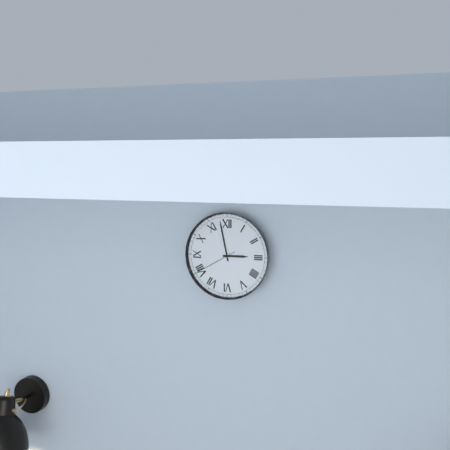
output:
2.58
